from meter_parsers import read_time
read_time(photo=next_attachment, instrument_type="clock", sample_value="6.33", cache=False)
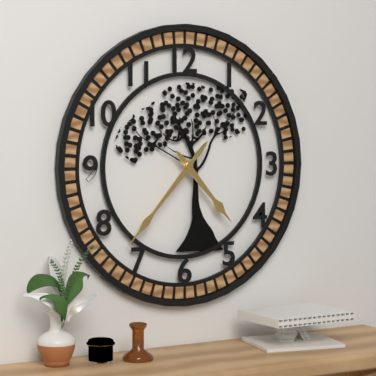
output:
4.37
